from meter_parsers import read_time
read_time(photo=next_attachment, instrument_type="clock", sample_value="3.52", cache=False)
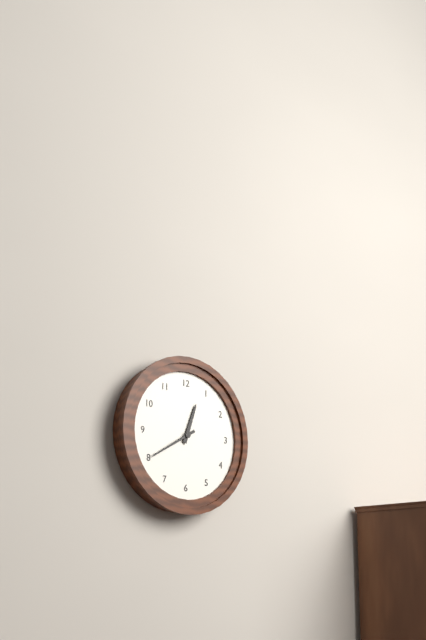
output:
12.40
